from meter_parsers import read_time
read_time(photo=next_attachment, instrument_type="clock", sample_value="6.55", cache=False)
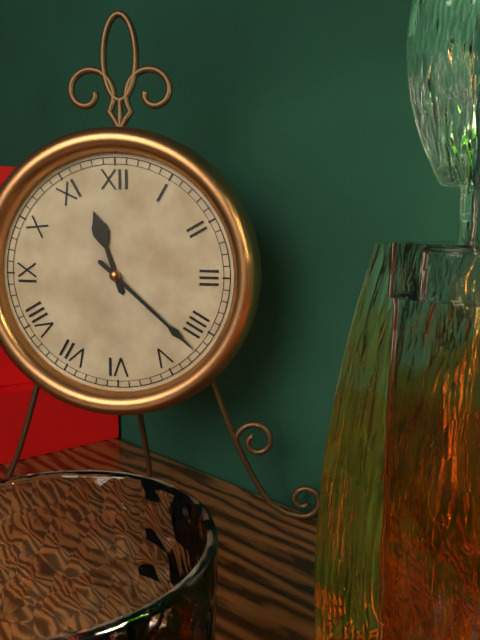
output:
11.22
